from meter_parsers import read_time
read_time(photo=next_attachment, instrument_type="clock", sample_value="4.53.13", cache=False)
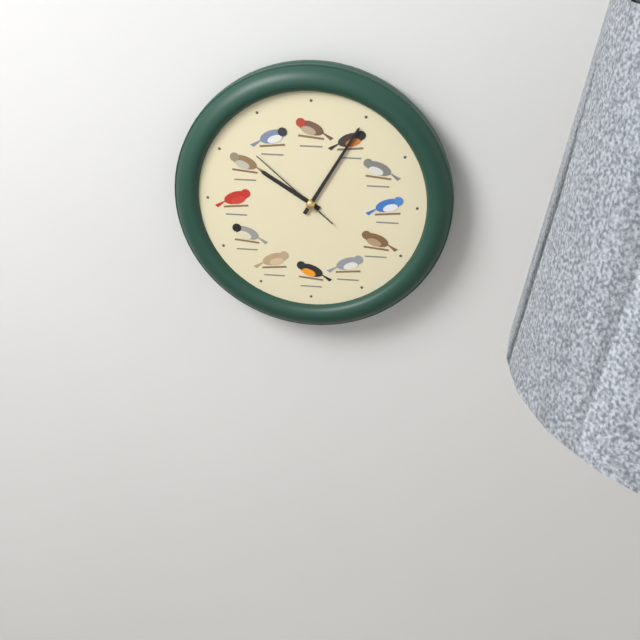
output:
10.05.52
